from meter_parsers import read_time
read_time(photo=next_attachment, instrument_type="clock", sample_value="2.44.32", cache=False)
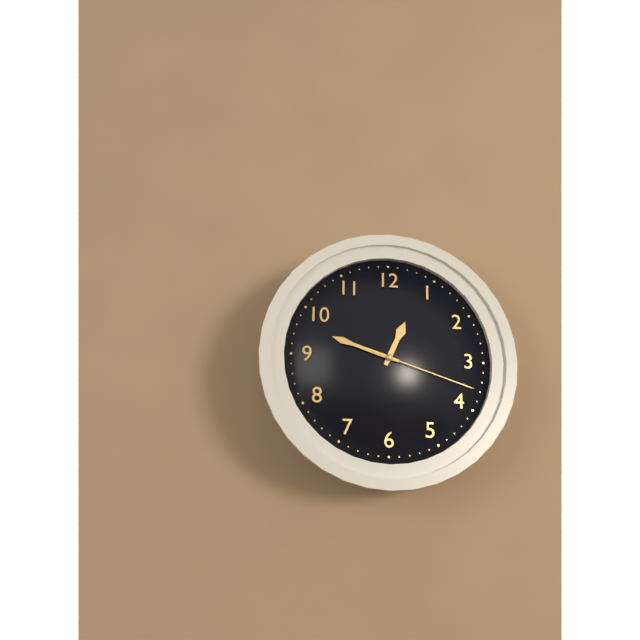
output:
12.48.18
